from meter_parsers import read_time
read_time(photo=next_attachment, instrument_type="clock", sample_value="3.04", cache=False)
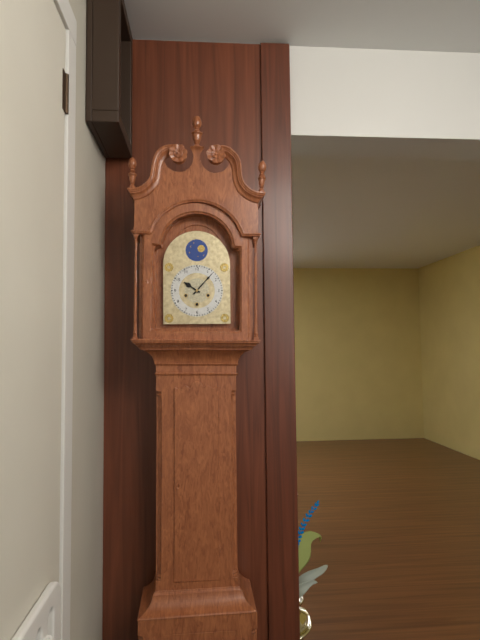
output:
10.07
